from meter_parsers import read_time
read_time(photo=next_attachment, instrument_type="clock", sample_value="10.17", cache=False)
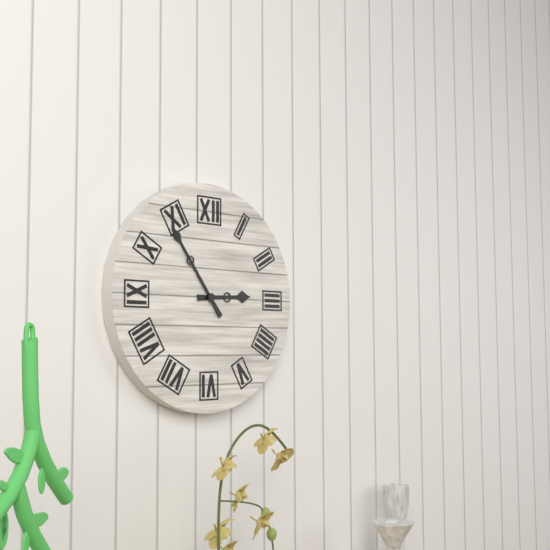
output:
2.54
